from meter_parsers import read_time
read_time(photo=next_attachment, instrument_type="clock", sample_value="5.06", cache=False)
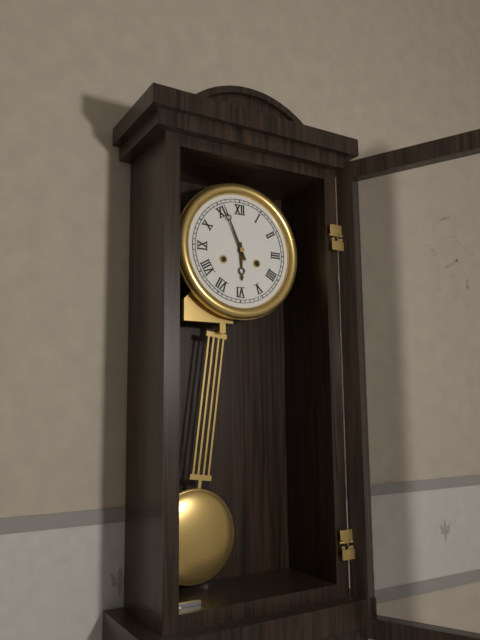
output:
5.56
